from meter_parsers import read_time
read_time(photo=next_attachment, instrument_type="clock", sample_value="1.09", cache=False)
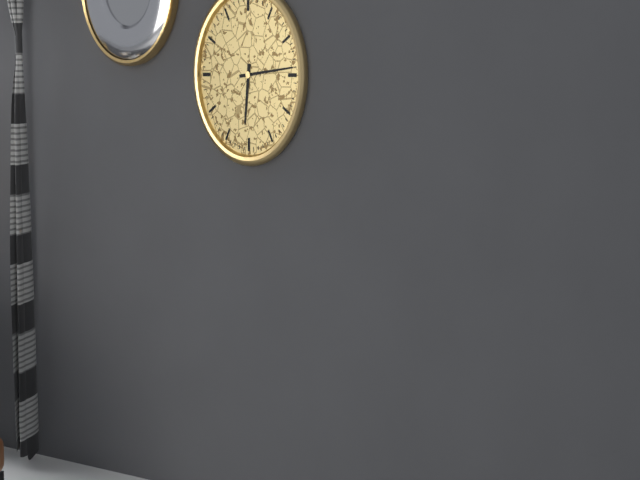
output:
6.14
